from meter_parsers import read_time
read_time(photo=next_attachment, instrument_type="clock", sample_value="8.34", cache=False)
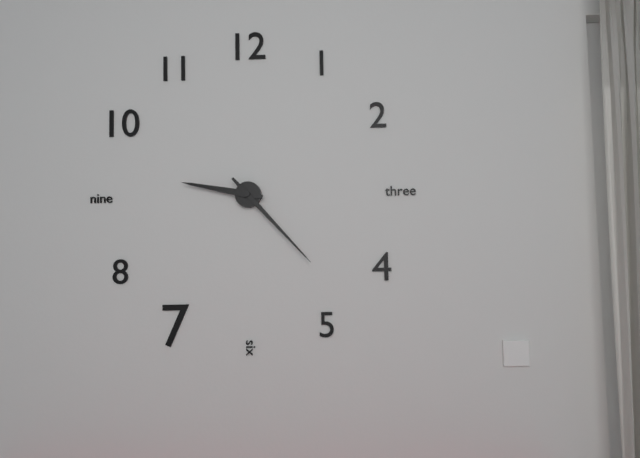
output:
9.23
